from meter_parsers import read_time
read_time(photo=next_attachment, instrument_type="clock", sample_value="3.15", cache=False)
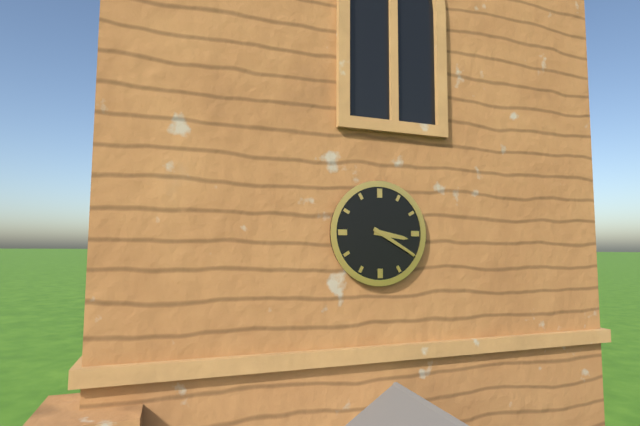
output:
3.20
